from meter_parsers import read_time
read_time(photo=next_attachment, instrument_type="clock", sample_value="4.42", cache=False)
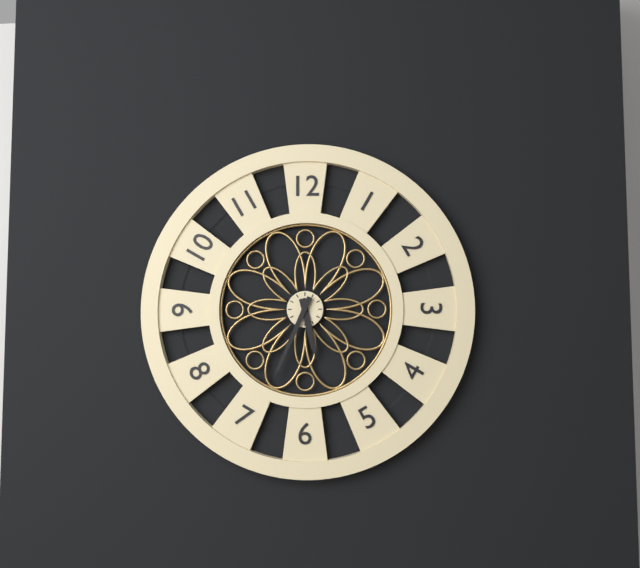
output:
5.34
